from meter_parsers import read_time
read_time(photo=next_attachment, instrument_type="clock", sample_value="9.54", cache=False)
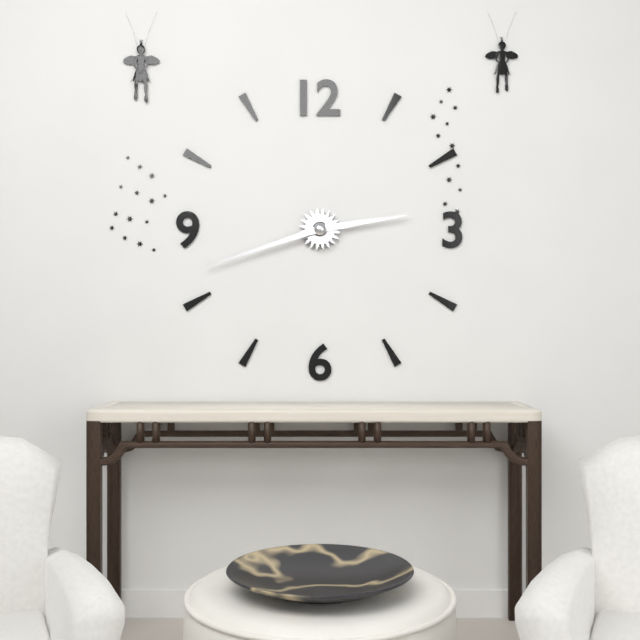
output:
2.42
